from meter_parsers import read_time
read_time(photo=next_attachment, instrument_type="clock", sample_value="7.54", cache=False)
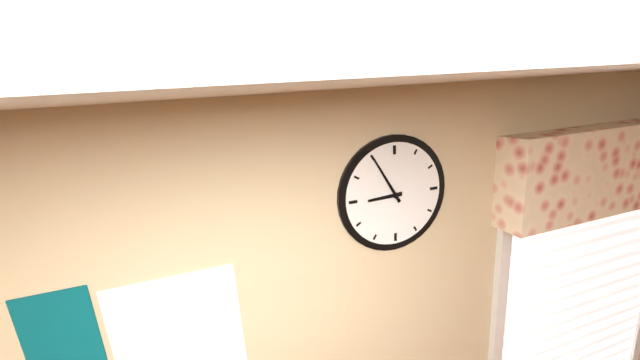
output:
8.55
